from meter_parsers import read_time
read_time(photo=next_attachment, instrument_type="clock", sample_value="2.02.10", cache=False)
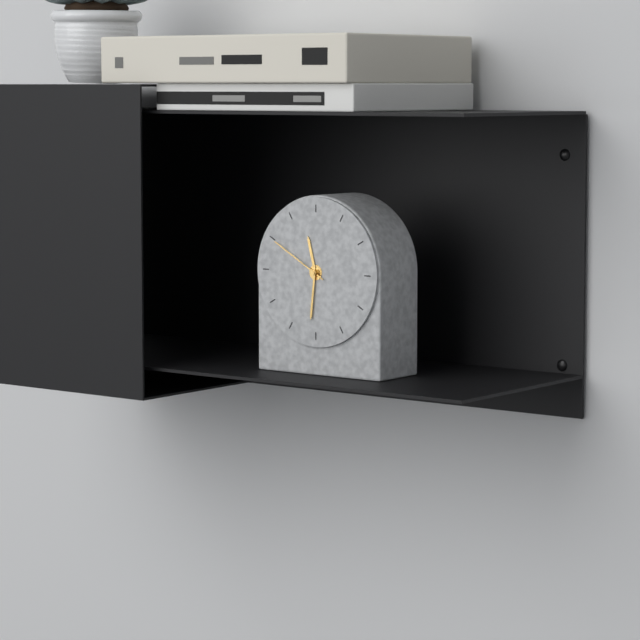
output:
11.31.50
